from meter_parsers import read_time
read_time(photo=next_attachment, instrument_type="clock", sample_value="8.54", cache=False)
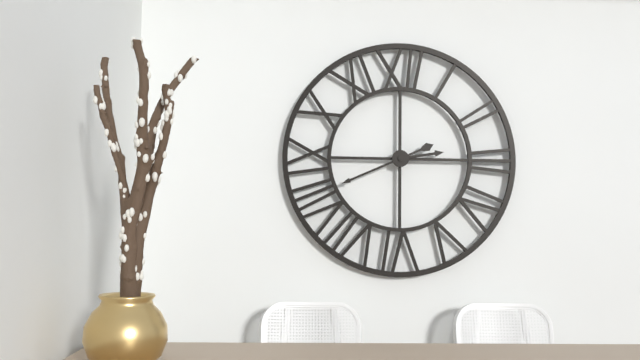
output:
2.41
